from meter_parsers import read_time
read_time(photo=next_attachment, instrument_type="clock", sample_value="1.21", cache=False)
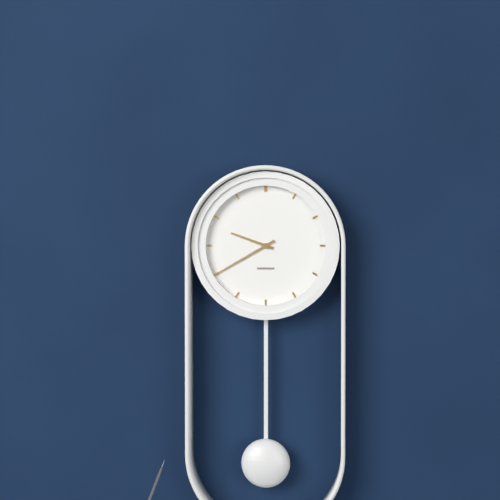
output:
9.40
